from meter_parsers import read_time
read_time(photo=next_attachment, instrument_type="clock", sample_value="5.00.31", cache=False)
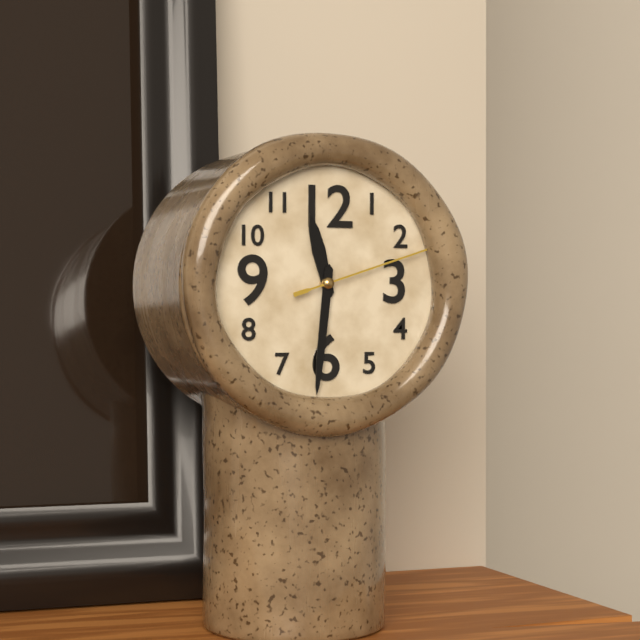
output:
11.31.12
